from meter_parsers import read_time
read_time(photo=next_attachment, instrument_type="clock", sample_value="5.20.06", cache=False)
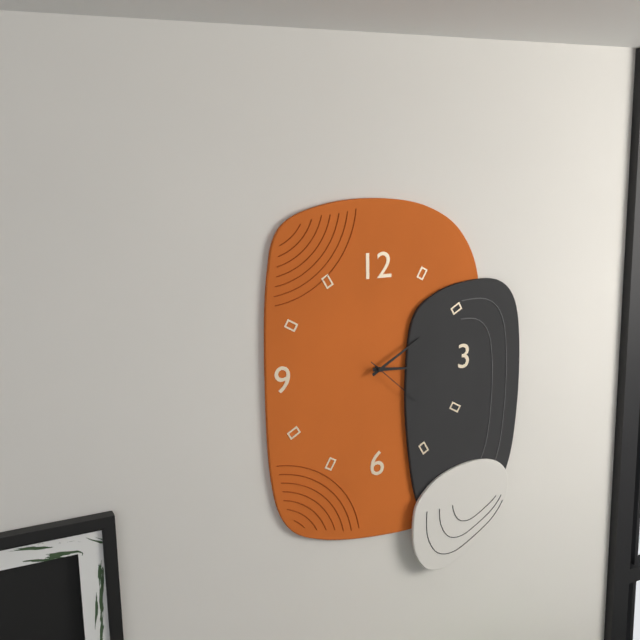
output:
3.10.22
